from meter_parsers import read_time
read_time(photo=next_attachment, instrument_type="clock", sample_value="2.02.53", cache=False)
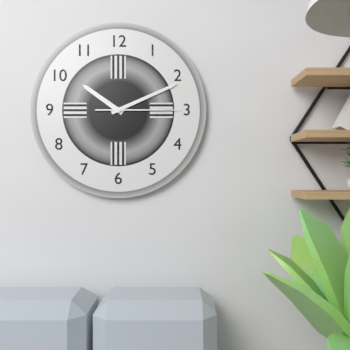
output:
10.11.15
